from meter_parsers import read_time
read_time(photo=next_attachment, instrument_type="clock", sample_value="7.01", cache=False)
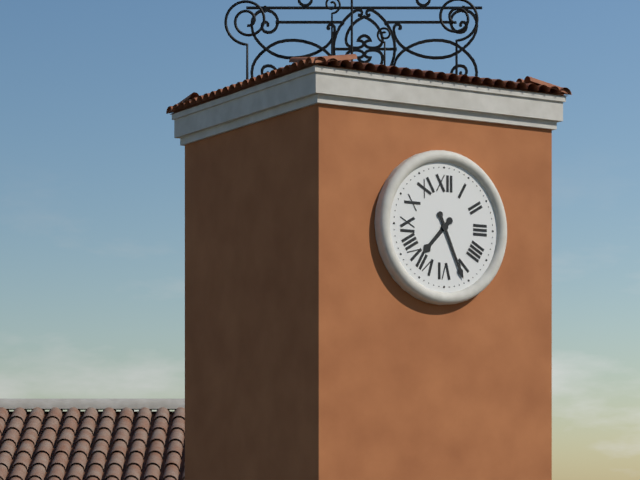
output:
7.26
